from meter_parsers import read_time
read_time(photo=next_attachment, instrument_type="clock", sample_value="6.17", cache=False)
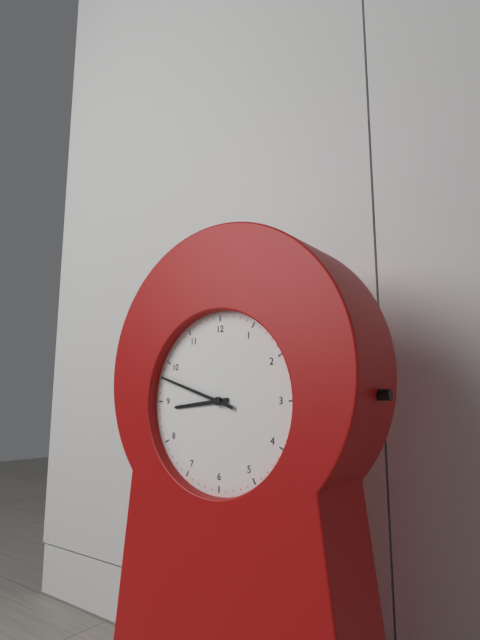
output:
8.48
